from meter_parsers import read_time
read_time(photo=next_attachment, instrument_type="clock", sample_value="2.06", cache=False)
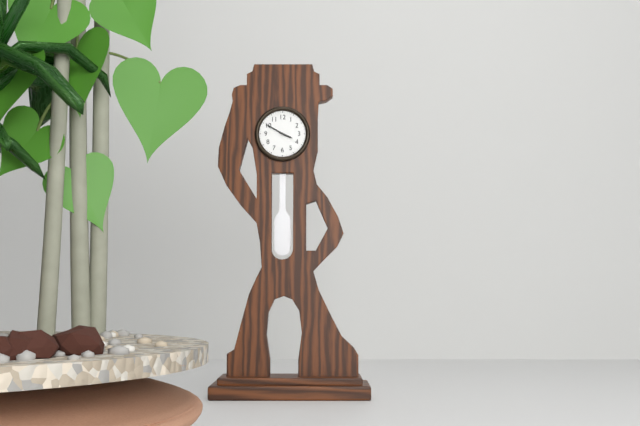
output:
3.50
